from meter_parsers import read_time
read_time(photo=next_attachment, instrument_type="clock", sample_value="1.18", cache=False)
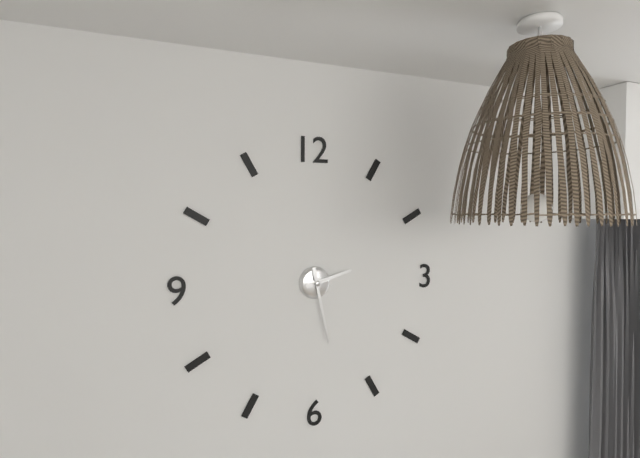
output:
2.28
